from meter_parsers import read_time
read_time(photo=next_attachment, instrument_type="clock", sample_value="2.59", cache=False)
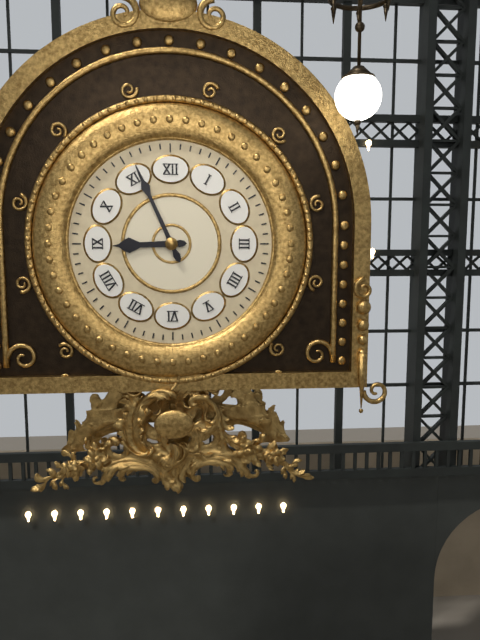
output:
8.56
